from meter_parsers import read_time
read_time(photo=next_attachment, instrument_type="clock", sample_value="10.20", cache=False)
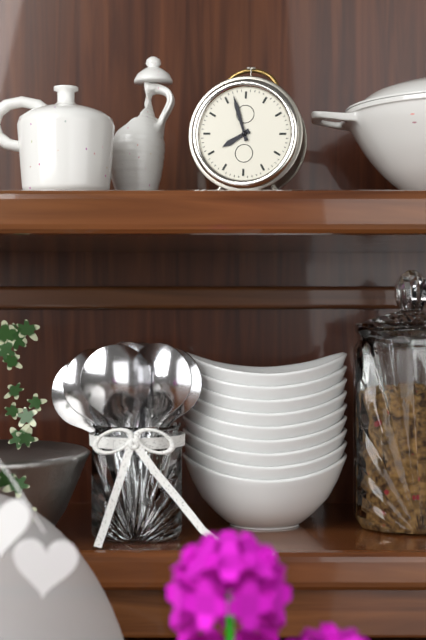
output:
7.57
